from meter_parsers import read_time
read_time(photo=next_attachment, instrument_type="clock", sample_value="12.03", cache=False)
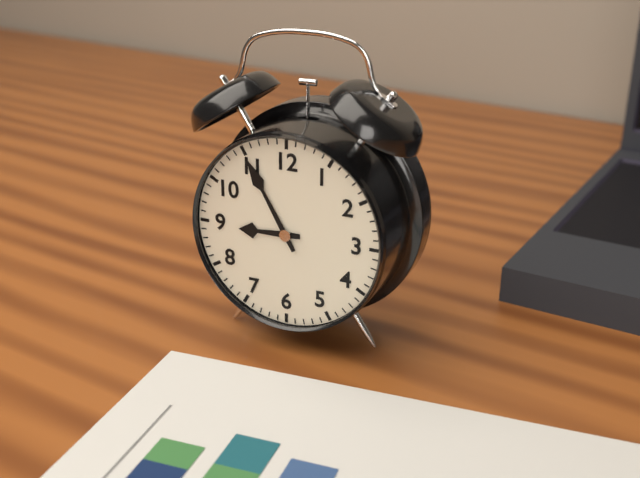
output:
8.55
